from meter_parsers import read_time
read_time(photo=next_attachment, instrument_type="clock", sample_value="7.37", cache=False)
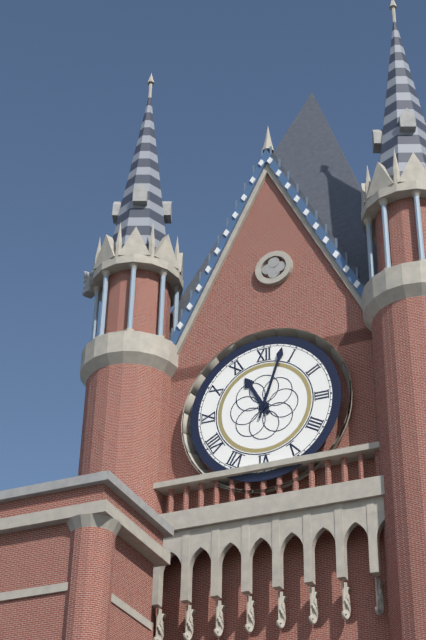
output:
11.03
